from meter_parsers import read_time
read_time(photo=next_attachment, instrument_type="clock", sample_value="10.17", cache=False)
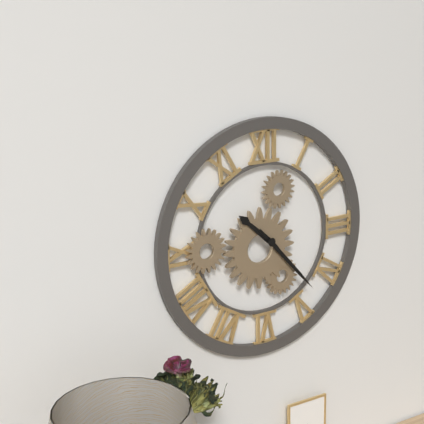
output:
10.23
